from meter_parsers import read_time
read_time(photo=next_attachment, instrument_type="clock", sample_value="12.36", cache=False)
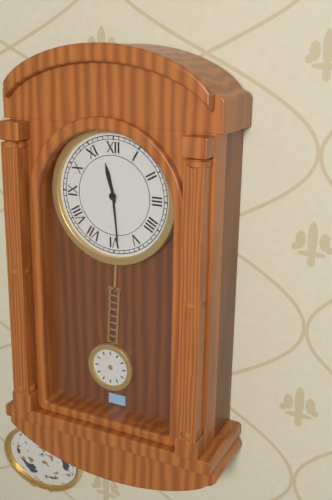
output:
11.29
